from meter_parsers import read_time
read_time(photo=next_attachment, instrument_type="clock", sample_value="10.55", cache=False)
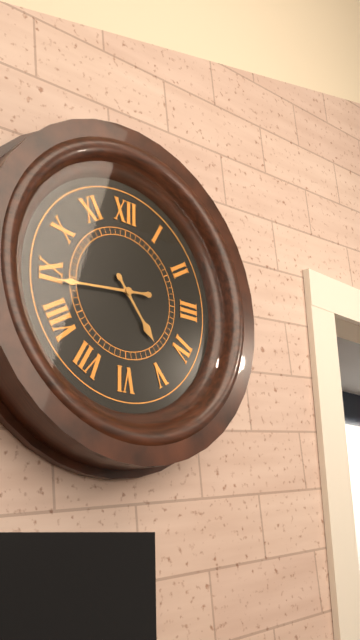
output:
4.44
